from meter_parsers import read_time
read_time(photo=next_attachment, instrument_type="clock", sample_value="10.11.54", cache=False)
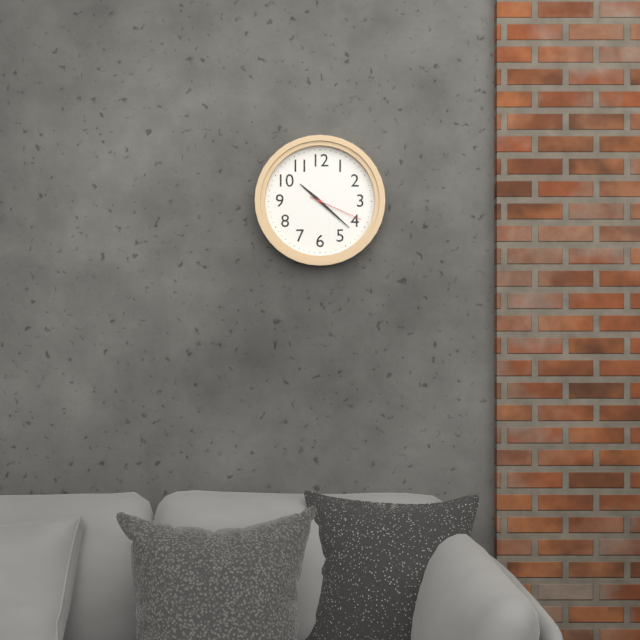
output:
10.22.19
